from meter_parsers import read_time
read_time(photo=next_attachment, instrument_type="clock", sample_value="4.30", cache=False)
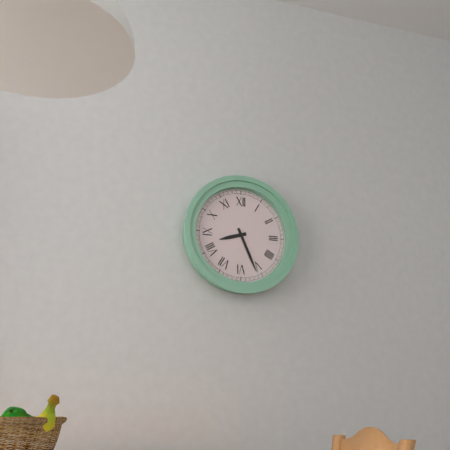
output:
8.26
